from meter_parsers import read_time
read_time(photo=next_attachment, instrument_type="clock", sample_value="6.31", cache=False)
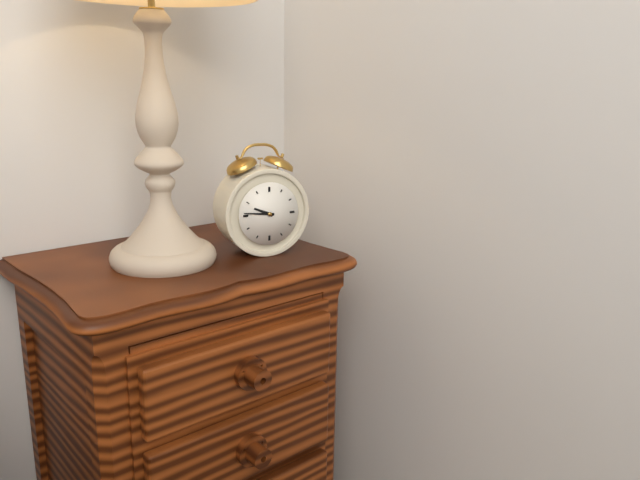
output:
9.46
